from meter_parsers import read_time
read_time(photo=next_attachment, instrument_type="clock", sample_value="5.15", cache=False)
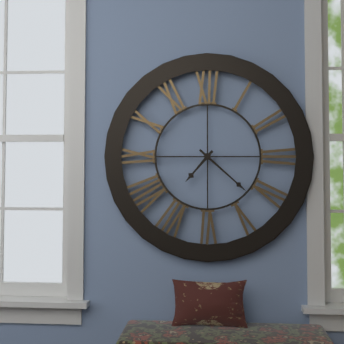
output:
7.22
